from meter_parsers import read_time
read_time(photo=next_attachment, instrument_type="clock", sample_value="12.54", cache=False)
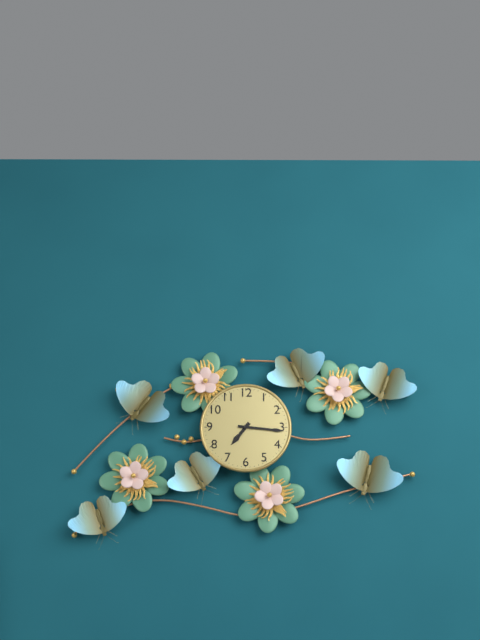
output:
7.16
